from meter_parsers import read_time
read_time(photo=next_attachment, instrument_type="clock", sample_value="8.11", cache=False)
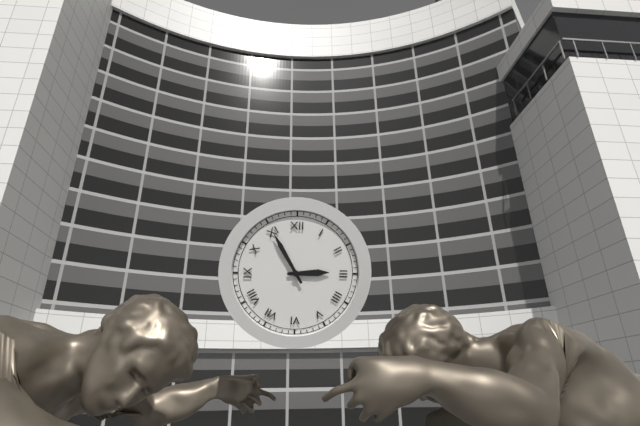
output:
2.55
